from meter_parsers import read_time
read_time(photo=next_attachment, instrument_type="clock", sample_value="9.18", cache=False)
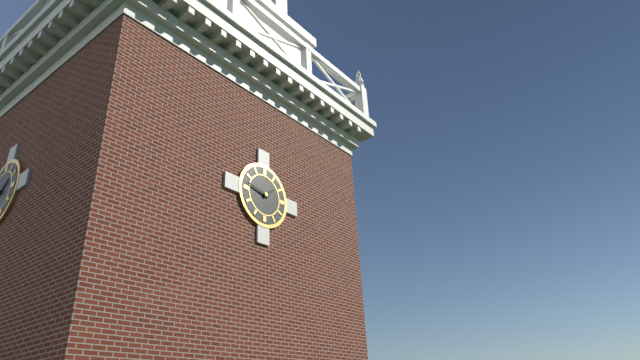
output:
1.47
